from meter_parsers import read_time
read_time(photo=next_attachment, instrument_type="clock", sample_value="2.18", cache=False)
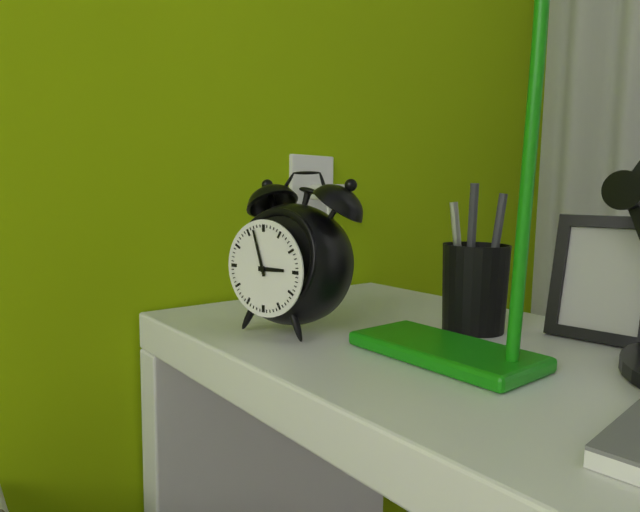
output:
2.57
